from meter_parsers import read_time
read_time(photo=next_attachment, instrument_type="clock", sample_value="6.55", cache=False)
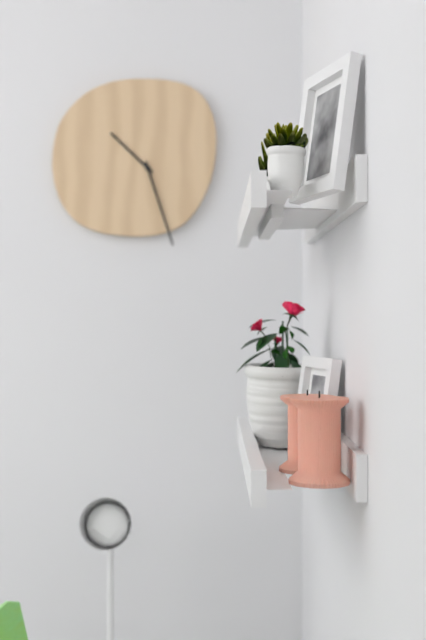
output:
10.27
